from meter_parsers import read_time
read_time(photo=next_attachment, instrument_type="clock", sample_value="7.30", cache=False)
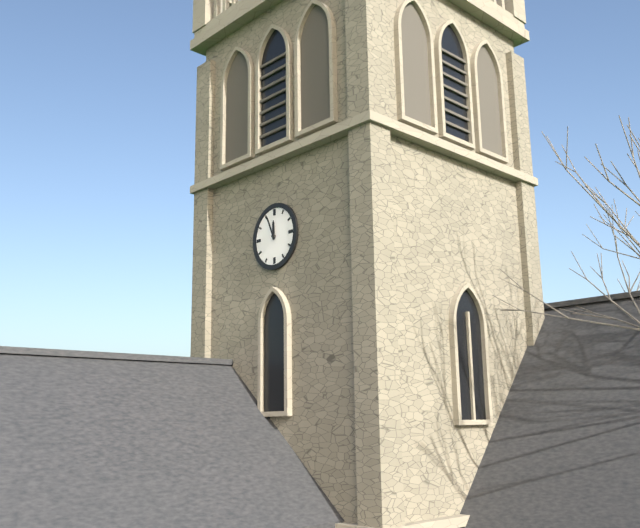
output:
11.56
